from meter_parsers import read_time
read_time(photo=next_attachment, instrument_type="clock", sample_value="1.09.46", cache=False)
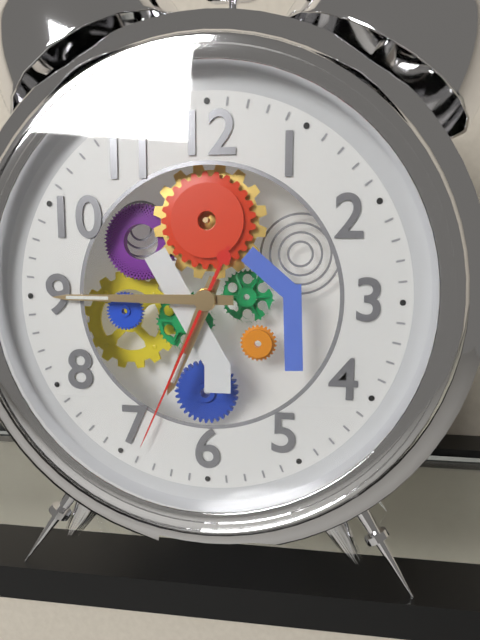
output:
6.45.34
